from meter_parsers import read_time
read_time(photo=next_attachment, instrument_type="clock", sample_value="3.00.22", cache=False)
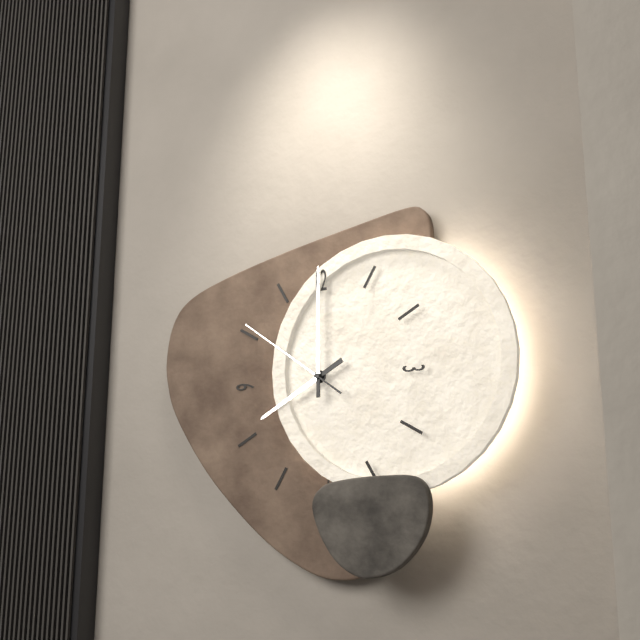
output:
8.00.51
